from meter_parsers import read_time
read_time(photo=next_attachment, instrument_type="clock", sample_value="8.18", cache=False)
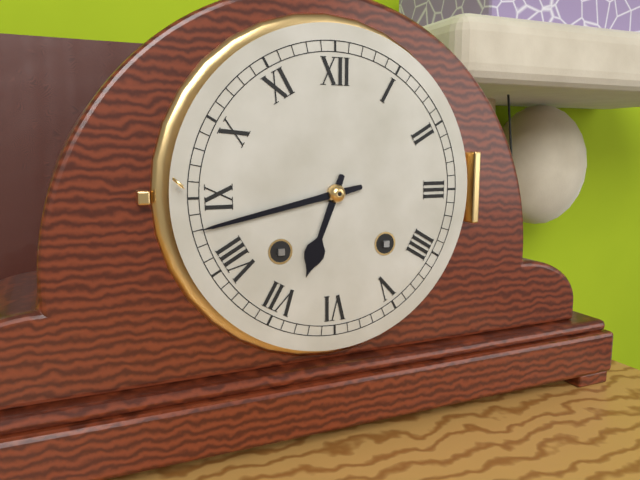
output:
6.43
